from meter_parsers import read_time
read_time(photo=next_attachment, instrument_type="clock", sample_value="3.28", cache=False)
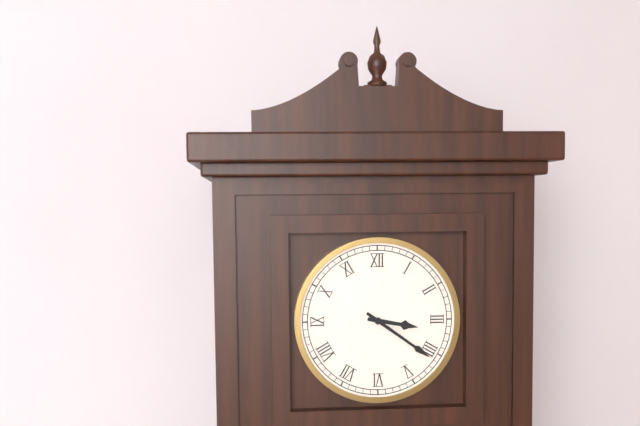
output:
3.21
